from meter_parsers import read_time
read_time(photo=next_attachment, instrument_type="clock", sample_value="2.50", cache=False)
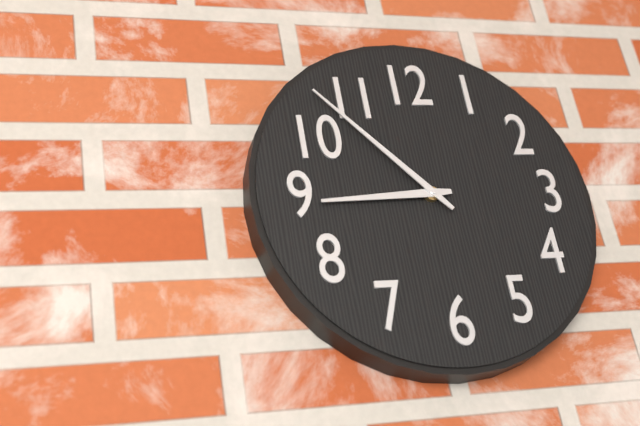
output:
8.53
